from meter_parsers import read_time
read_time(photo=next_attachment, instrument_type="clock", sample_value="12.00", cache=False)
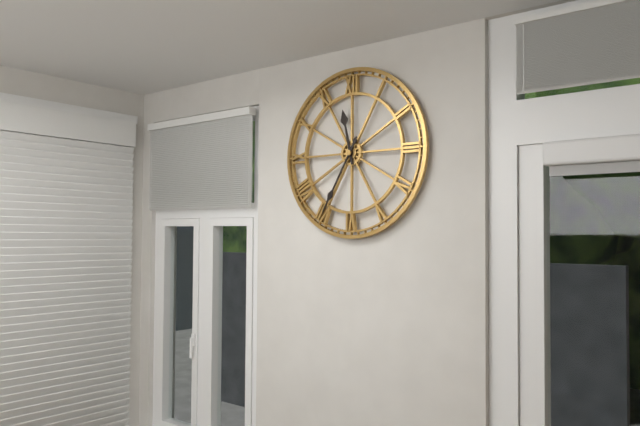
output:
11.35
